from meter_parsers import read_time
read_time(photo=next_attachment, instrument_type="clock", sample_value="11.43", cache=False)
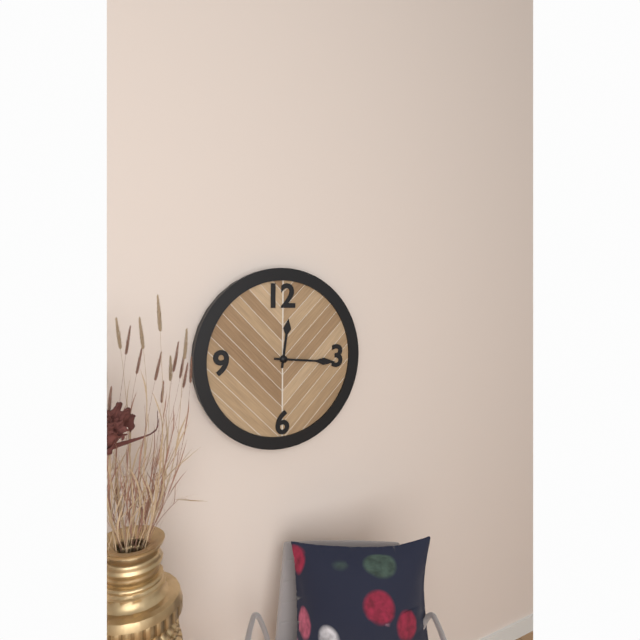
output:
12.16
